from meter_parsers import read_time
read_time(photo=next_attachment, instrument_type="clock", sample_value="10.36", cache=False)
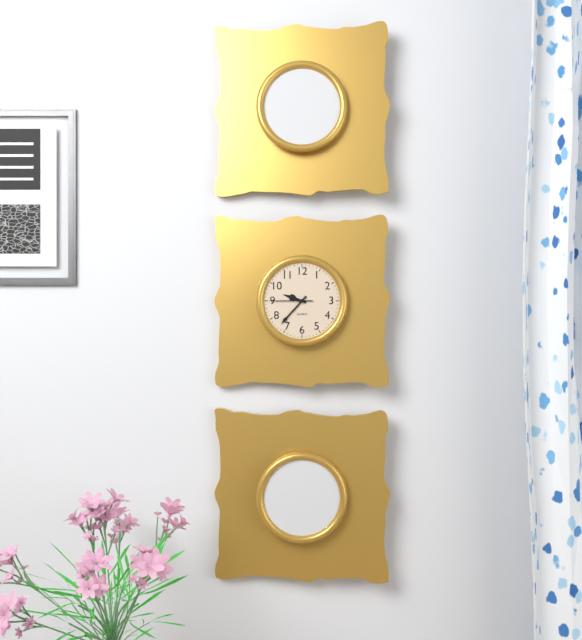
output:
9.37
